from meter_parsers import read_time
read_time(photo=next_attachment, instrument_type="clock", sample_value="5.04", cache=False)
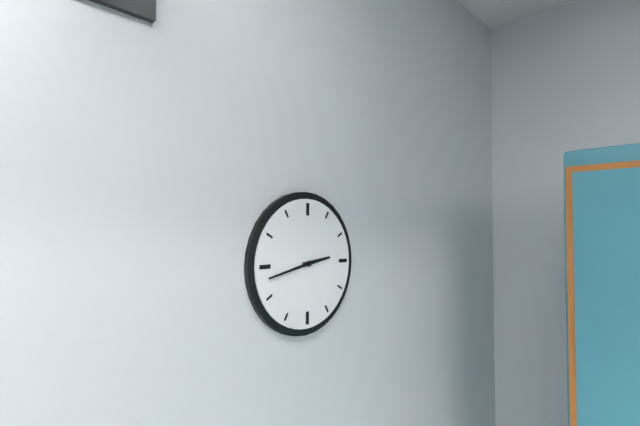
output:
2.43
